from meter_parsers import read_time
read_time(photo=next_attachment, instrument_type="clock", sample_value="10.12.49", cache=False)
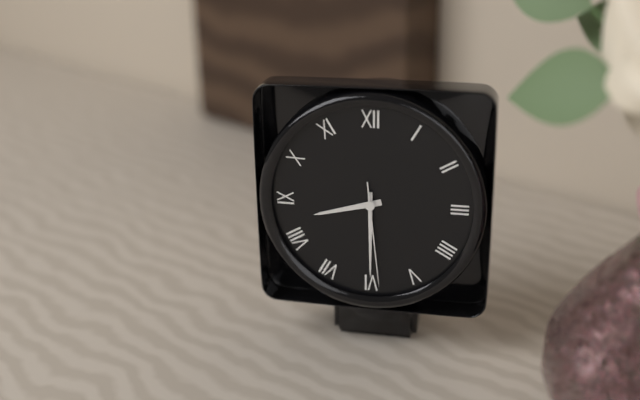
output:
8.30.29
